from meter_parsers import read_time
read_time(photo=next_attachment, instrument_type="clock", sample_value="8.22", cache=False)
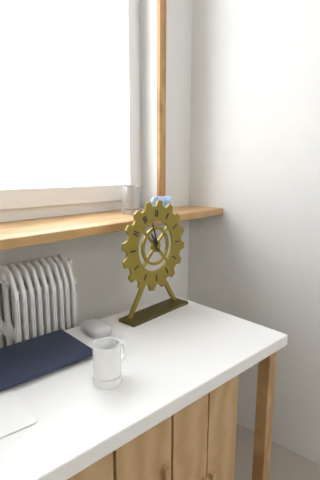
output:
10.57
